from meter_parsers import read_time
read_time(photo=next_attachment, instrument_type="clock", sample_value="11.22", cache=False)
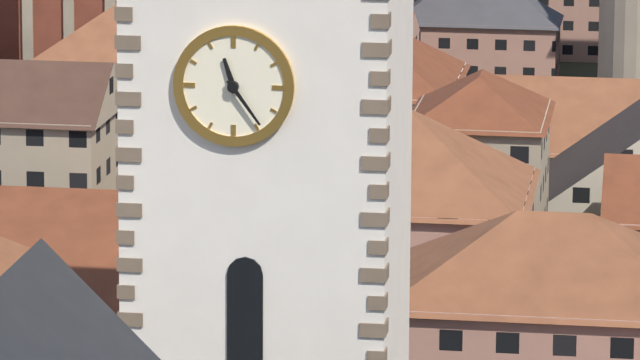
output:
11.24
